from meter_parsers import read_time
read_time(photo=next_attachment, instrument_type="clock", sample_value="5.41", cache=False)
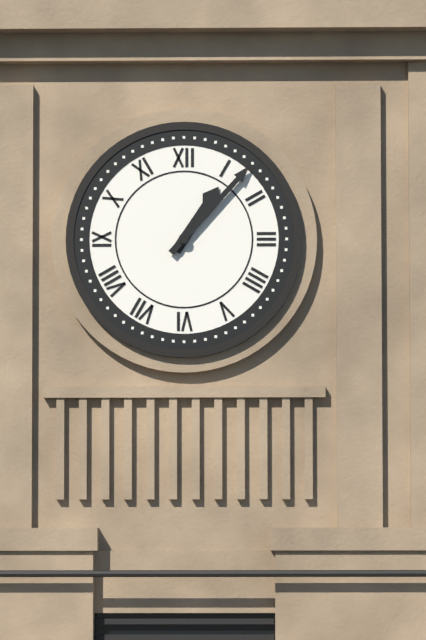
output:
1.07
